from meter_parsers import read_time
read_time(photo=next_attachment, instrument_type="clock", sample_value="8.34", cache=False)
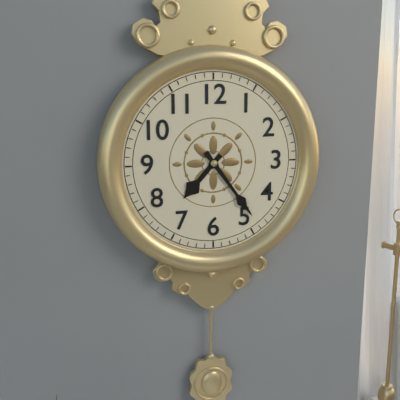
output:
7.24
